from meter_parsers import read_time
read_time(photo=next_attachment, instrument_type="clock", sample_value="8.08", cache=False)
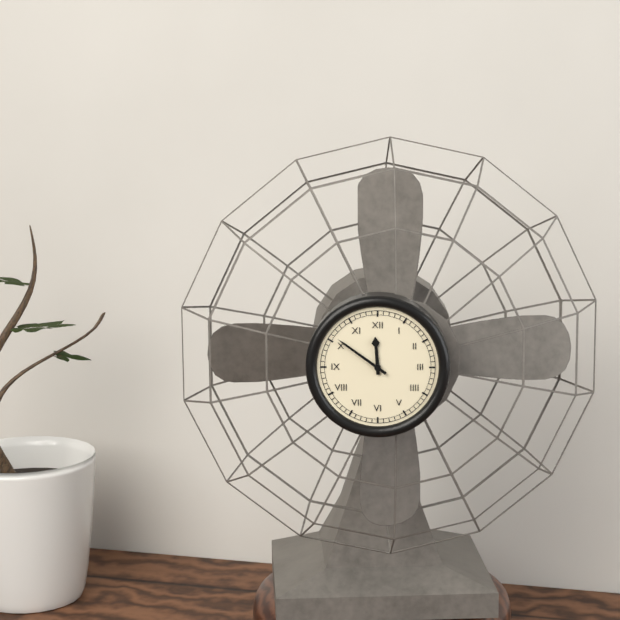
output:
11.51
